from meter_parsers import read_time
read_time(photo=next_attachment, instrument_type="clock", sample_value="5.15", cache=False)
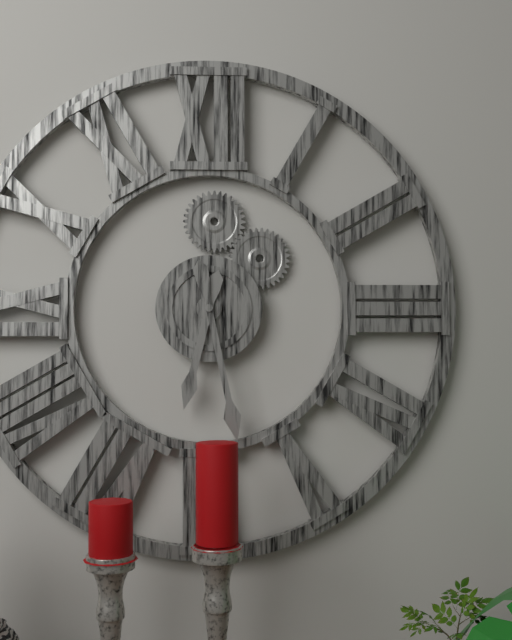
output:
6.28
